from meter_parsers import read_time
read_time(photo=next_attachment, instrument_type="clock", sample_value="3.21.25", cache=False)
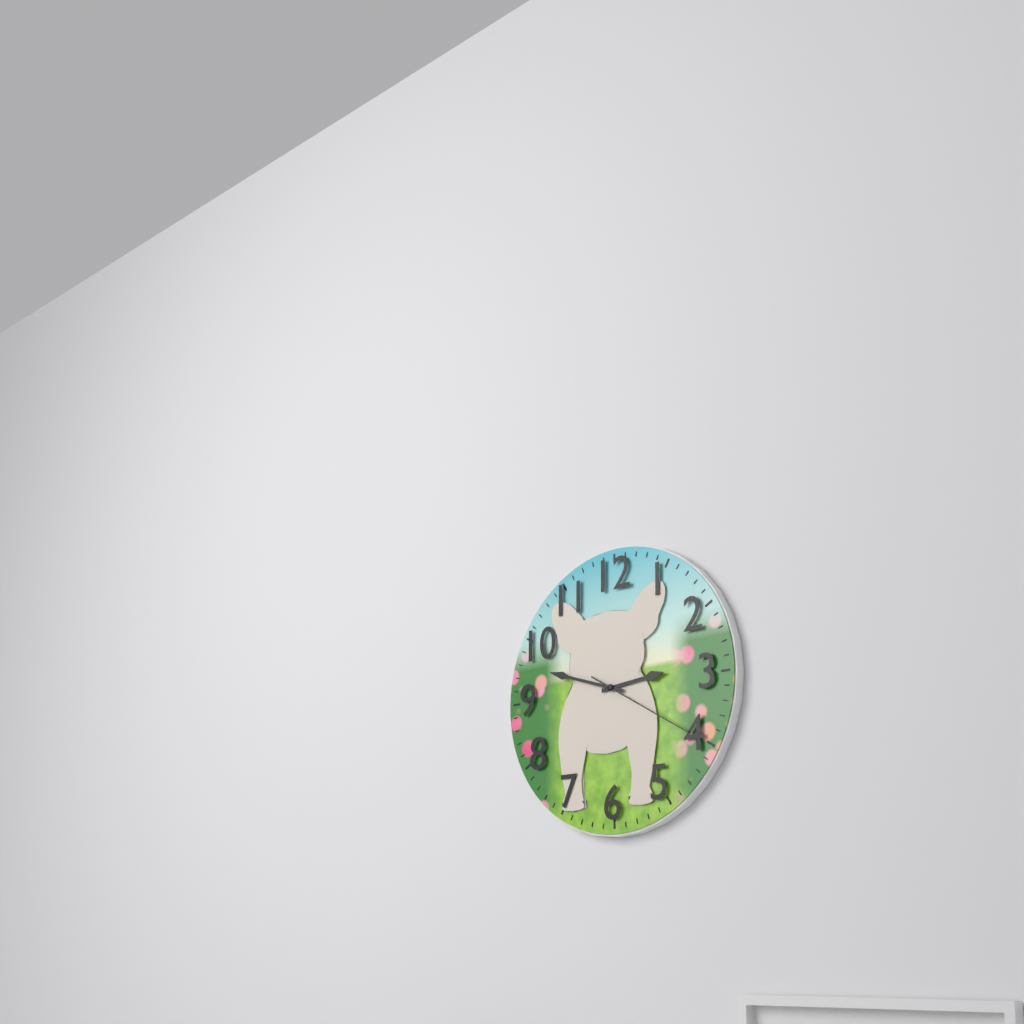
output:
2.48.20
